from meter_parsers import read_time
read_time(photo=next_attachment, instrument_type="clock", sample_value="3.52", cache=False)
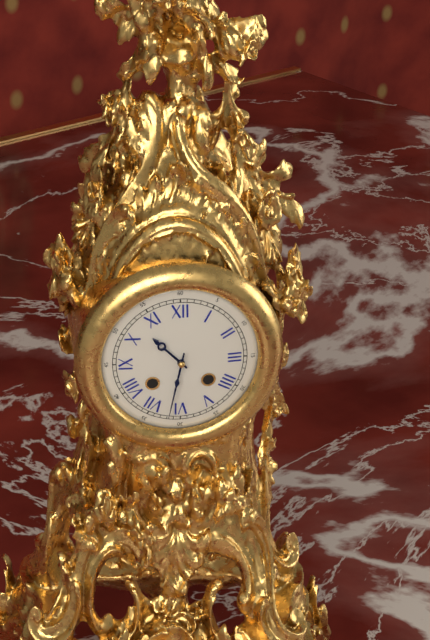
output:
10.32
